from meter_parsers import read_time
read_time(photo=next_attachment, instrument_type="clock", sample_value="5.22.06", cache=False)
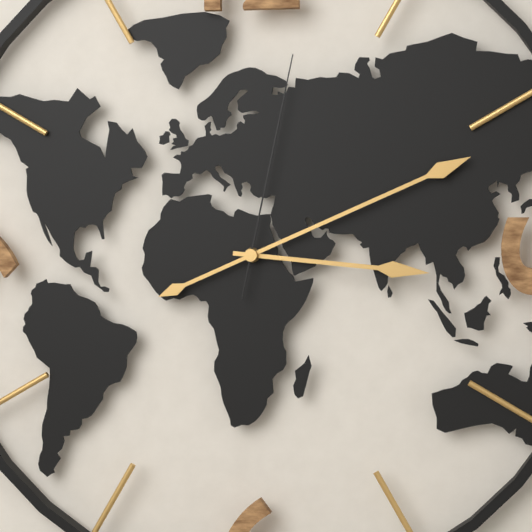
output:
3.11.02
